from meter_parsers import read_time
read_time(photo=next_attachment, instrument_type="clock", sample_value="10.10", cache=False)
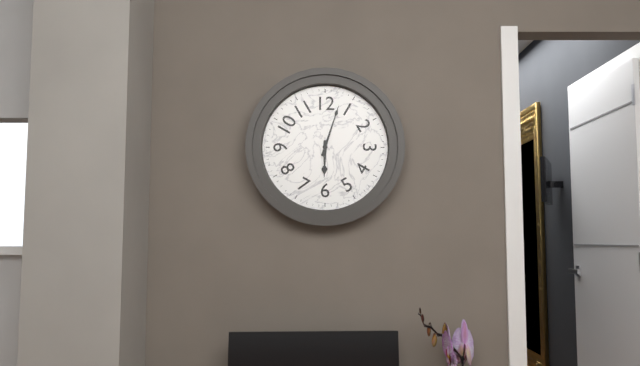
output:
6.03
